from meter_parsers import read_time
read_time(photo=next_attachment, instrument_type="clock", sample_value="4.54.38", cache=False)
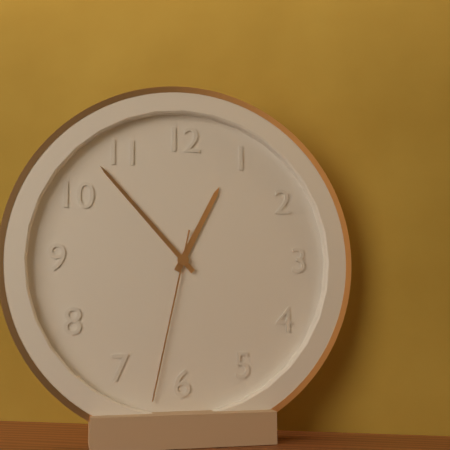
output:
12.53.32
